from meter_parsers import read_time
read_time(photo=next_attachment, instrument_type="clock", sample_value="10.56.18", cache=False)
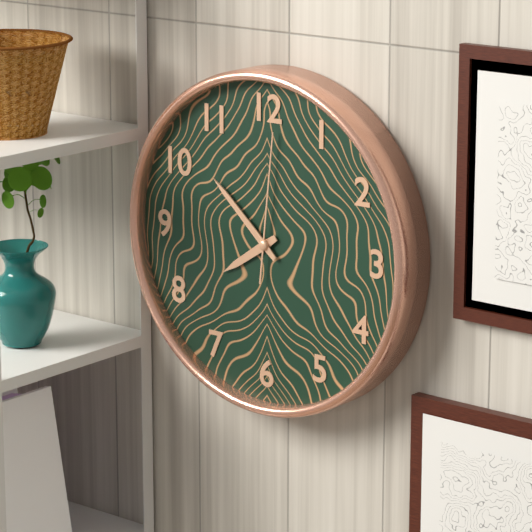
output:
7.52.01
